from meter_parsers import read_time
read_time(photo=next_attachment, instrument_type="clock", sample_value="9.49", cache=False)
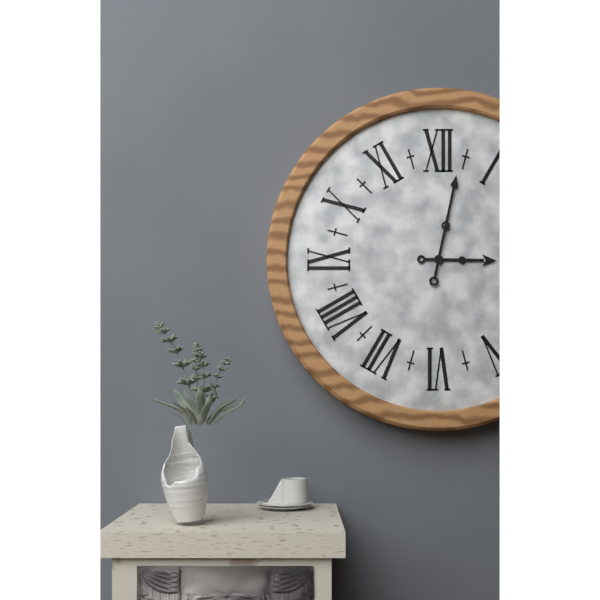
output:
3.02
